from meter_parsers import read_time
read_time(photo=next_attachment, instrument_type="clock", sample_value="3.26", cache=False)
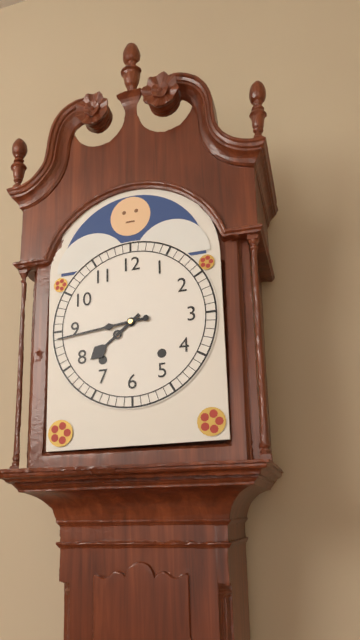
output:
7.44
